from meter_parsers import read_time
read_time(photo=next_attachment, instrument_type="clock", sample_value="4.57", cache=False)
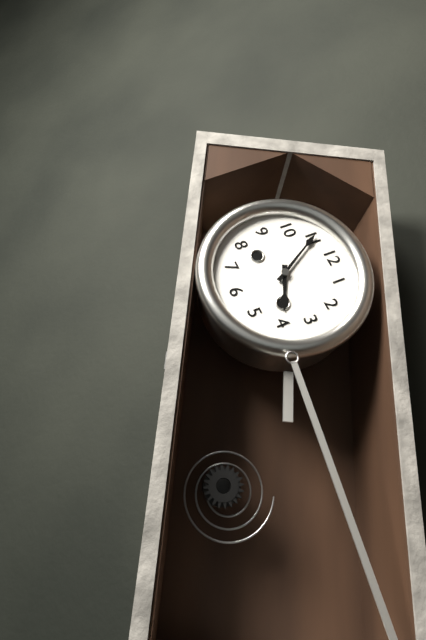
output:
3.55
